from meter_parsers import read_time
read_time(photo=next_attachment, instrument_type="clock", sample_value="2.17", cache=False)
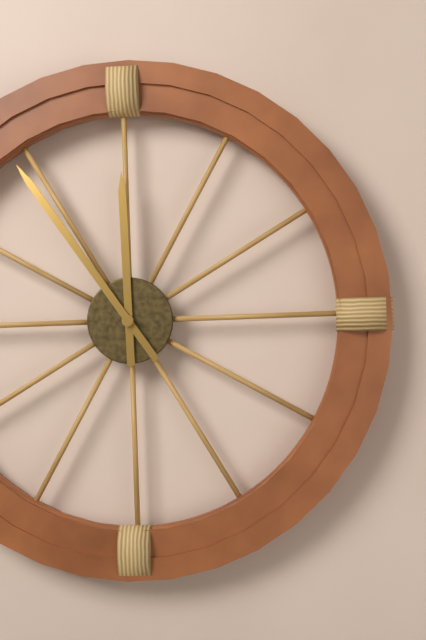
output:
11.54
